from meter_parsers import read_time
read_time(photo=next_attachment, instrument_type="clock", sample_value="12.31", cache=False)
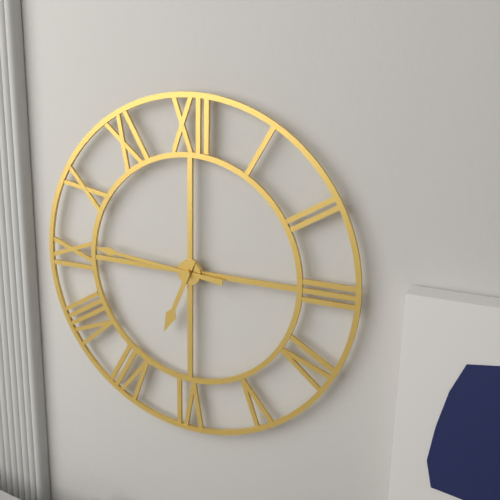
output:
6.46
